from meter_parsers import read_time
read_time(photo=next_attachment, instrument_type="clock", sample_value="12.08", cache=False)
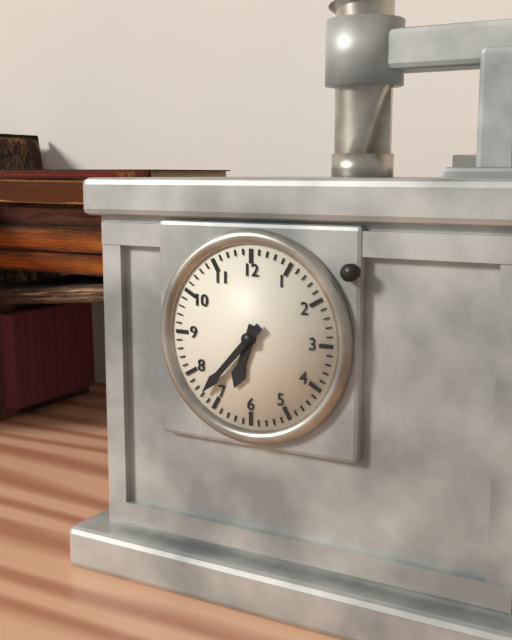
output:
6.37
